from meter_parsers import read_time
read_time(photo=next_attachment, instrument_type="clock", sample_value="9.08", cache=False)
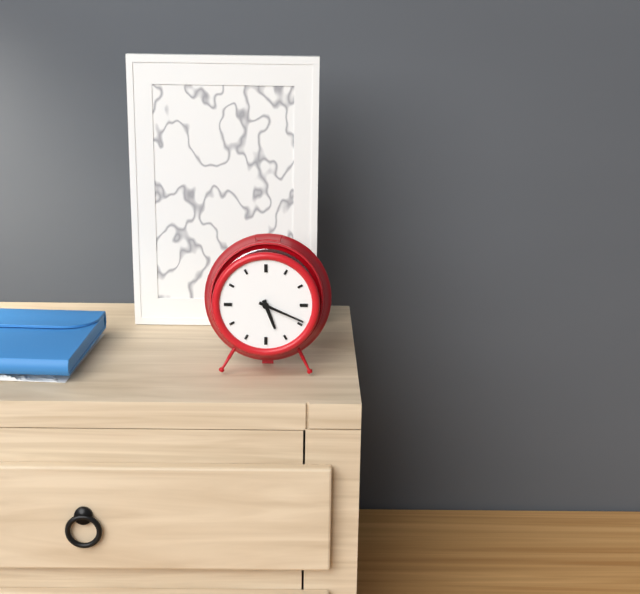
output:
5.19
